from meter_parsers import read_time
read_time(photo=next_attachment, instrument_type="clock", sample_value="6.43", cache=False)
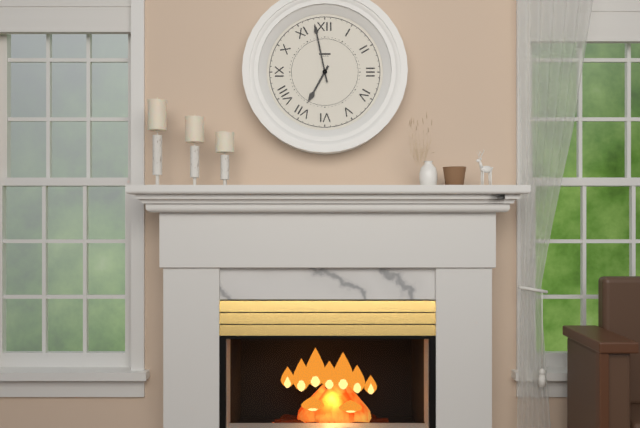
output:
6.58
